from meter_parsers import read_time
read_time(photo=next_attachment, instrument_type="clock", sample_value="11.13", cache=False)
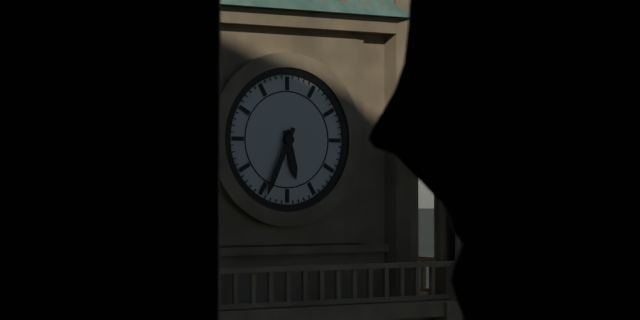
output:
5.34
